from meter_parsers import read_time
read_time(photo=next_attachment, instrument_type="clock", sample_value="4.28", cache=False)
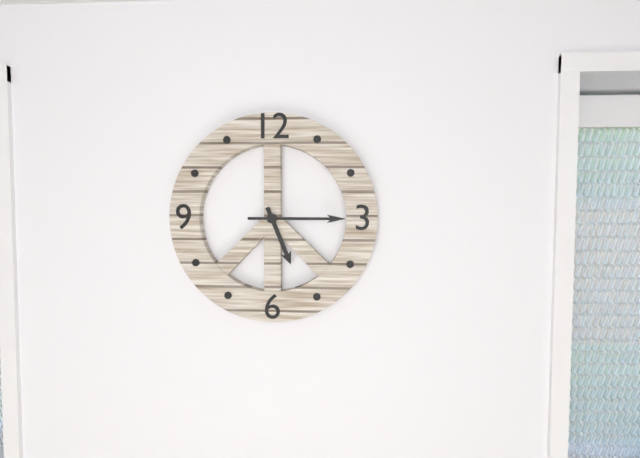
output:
5.15
